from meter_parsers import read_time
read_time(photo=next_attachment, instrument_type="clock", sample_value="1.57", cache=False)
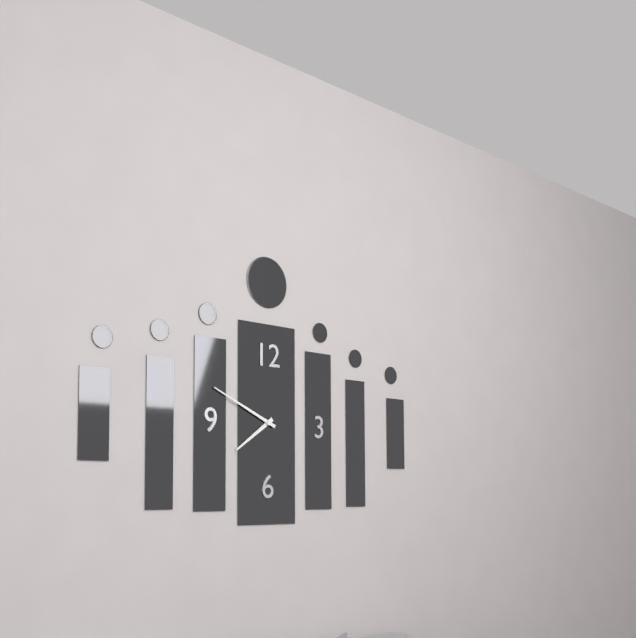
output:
7.49
